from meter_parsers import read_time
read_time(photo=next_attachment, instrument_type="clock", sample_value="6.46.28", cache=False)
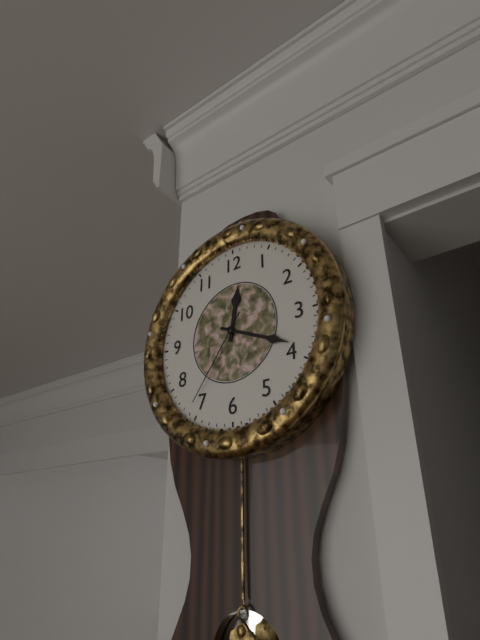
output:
12.19.36
